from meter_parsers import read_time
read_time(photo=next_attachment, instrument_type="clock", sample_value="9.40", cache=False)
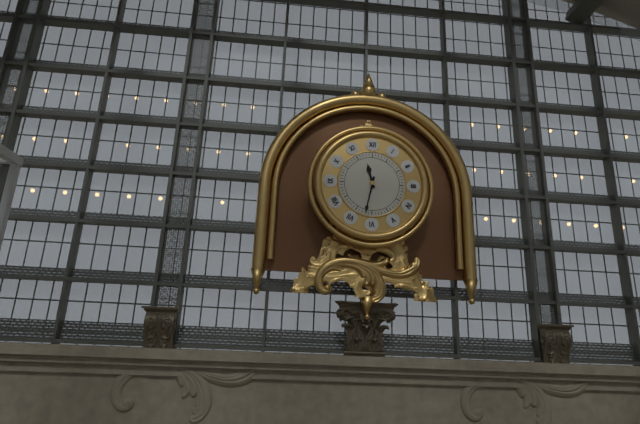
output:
11.32
